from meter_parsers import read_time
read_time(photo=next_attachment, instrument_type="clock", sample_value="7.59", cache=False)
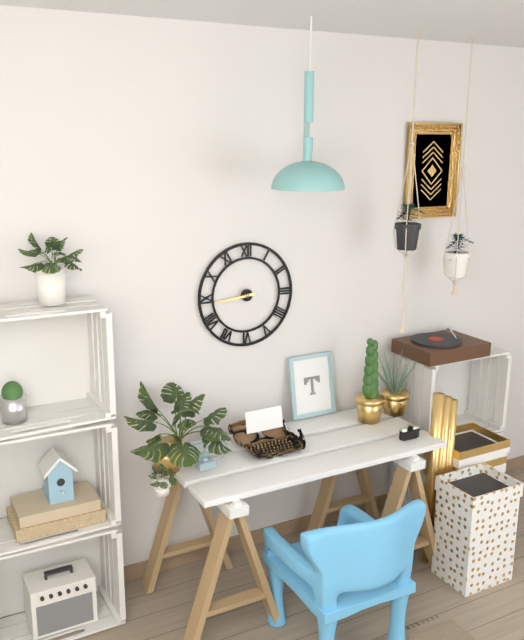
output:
8.44
